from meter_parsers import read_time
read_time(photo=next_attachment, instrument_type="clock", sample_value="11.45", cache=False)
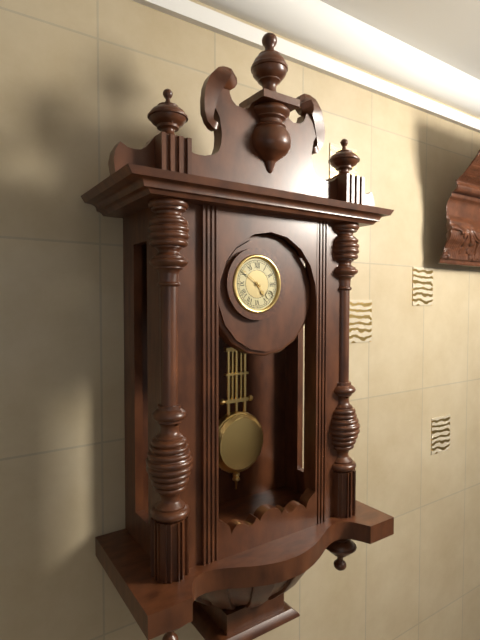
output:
4.51
